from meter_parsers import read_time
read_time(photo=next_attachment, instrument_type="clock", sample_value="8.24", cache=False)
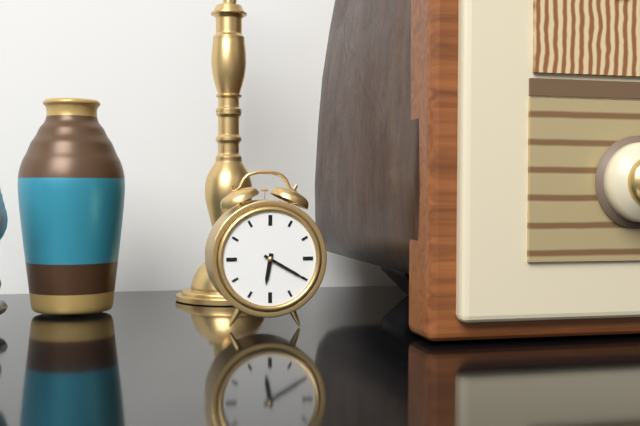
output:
6.20
